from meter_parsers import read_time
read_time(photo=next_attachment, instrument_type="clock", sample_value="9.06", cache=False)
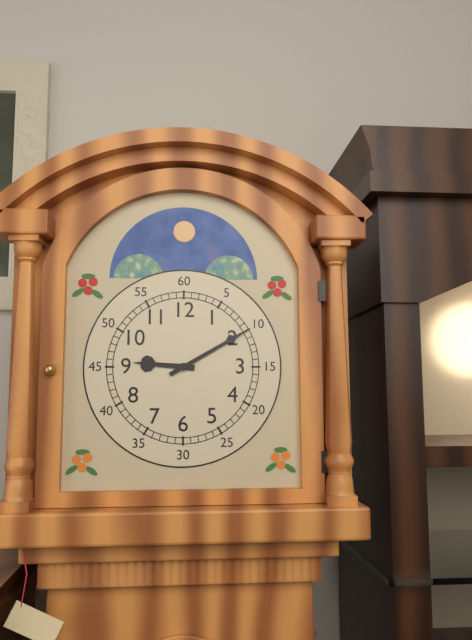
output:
9.10
